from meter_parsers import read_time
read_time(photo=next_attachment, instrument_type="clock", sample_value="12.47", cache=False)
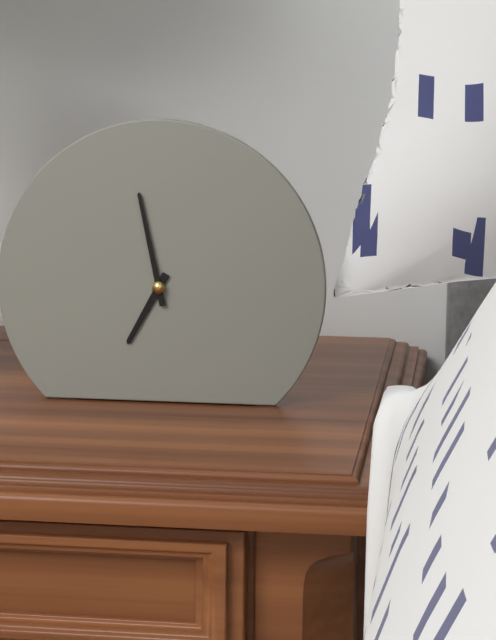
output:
6.58
